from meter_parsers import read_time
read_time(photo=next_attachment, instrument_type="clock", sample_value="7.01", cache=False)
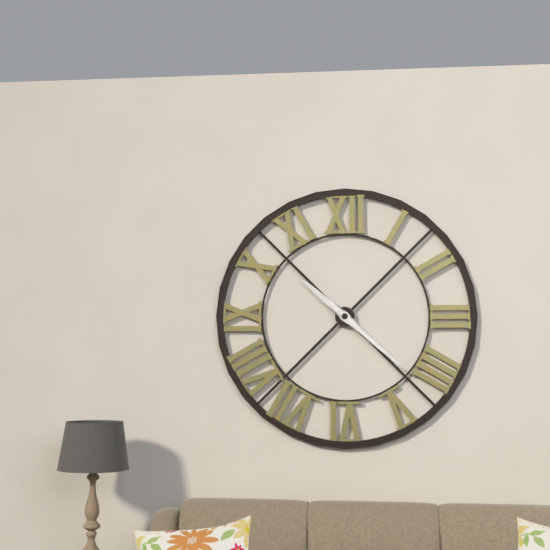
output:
10.22
